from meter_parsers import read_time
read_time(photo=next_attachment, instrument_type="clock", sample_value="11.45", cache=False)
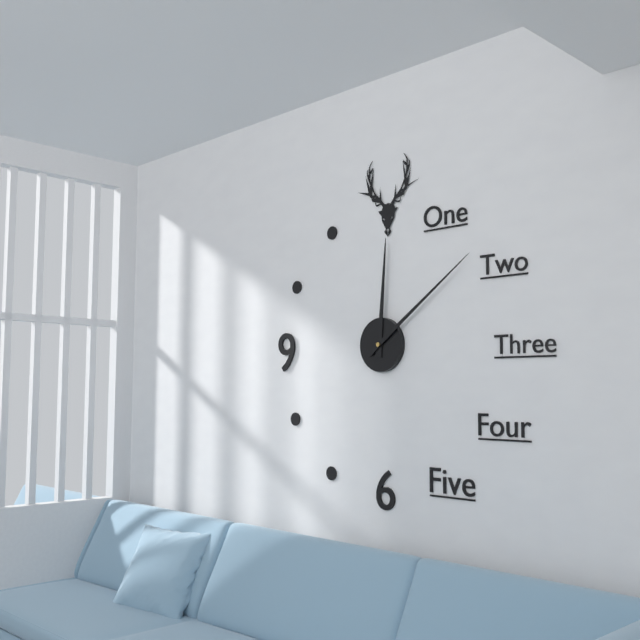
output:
12.09
